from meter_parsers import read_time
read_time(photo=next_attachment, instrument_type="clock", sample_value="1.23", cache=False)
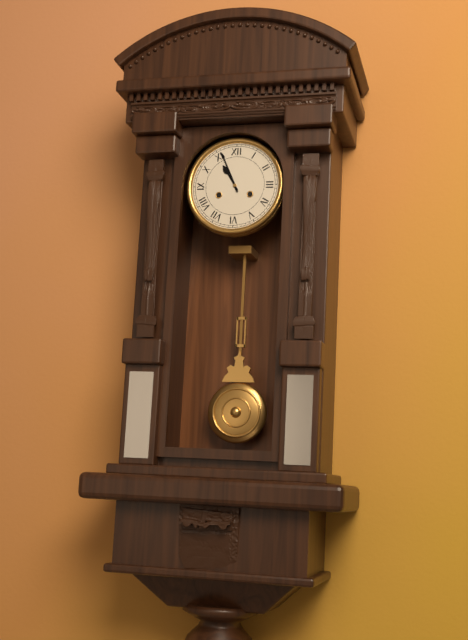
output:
10.56
